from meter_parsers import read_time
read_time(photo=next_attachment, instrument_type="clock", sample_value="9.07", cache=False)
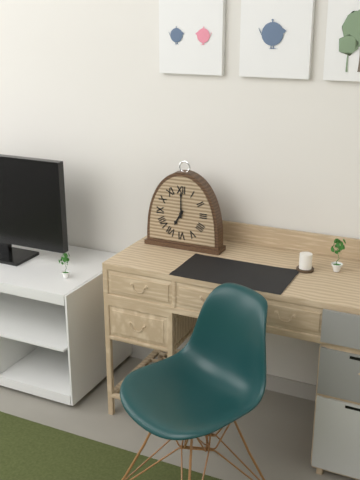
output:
7.00
